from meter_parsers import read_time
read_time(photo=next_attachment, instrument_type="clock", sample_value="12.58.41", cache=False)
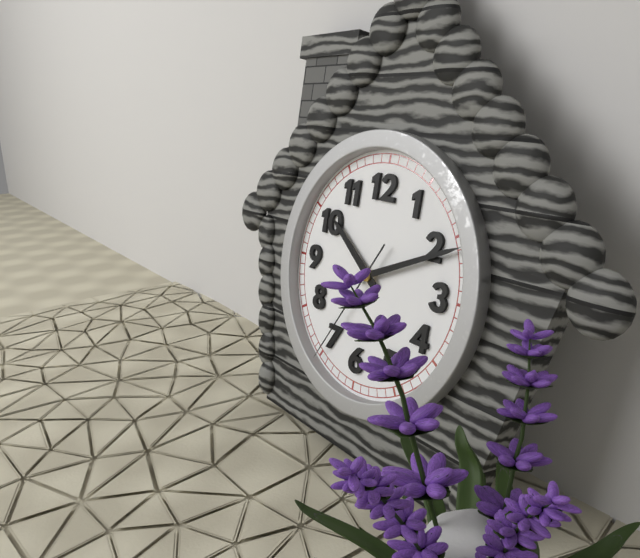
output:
10.11.35
